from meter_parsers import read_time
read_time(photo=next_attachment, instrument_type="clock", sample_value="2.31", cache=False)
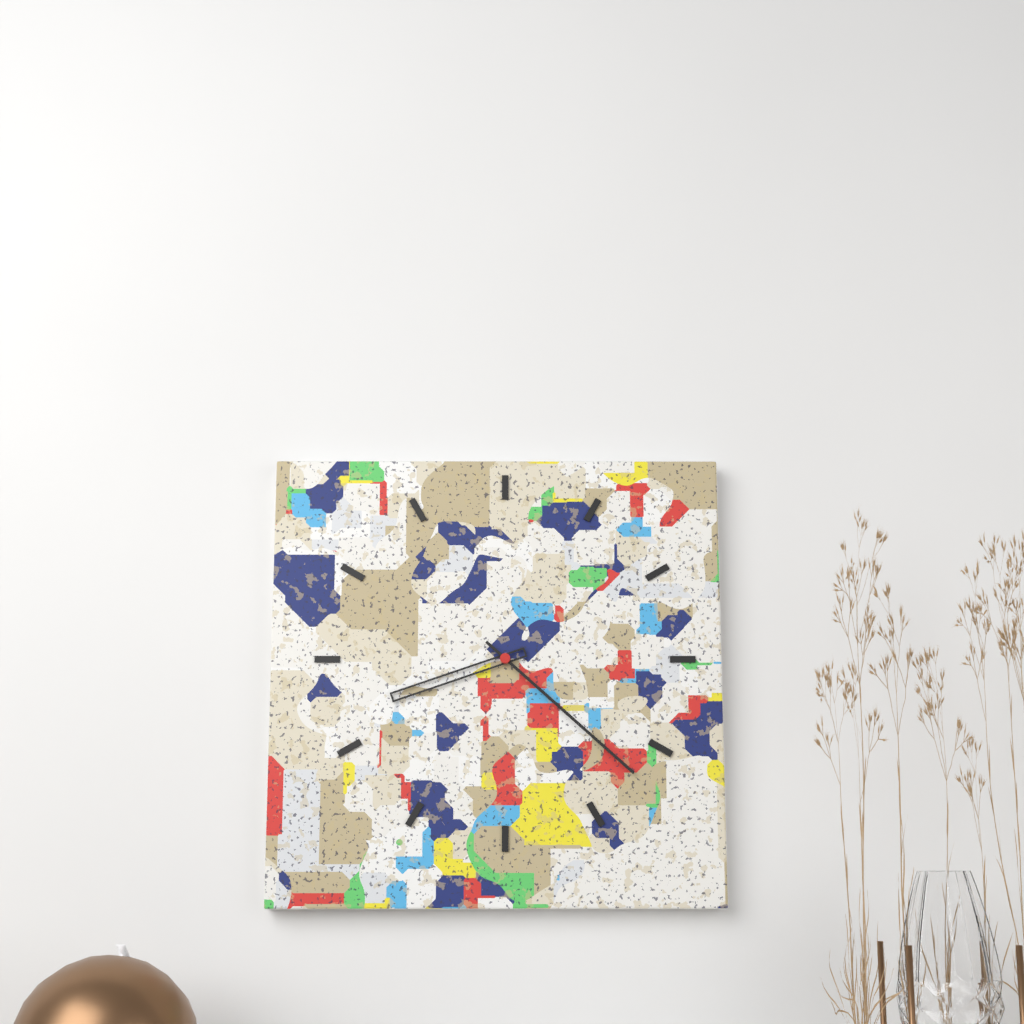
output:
8.22
